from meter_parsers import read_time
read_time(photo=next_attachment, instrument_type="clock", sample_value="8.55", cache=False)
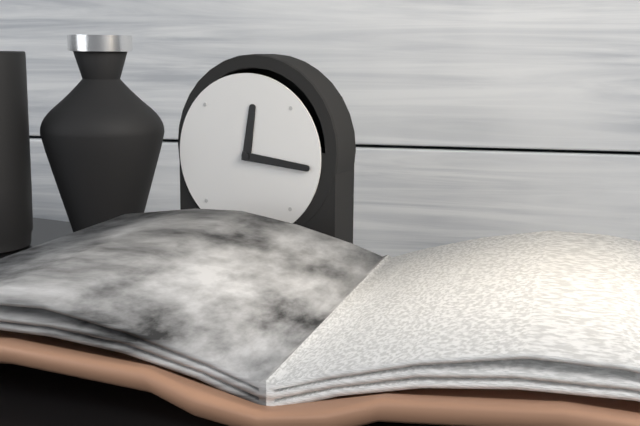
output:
12.16
